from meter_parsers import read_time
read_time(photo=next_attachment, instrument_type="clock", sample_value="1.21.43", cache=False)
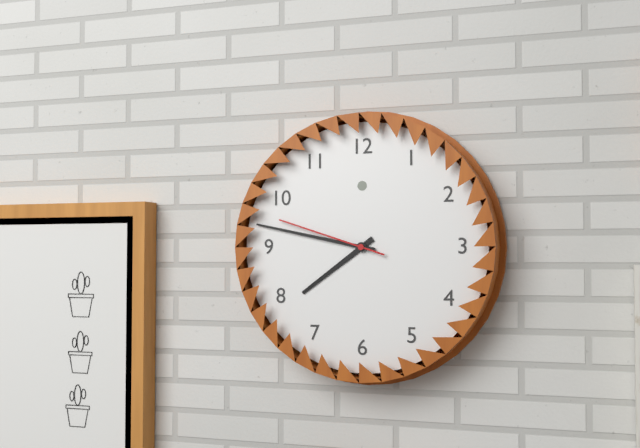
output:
7.47.48
